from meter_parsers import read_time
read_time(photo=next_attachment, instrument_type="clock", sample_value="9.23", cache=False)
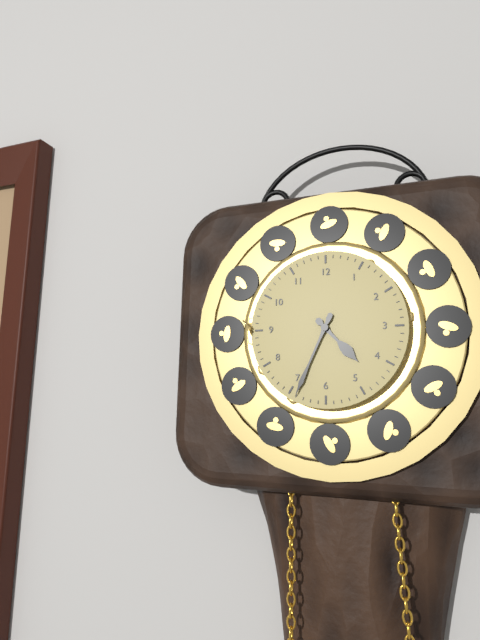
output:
4.34
